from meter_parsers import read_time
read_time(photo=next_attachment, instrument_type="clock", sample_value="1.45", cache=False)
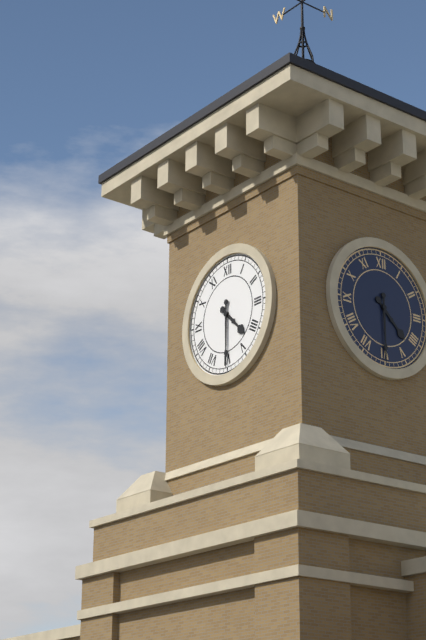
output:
4.30
